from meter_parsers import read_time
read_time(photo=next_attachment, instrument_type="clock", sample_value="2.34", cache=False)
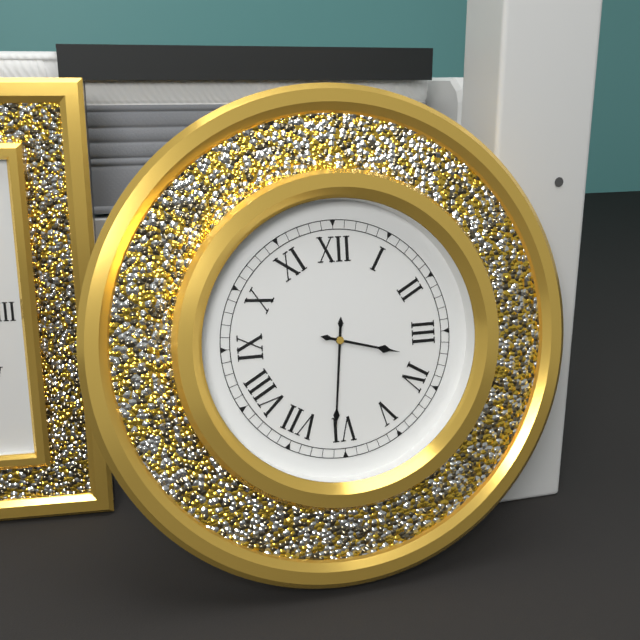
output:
3.31
